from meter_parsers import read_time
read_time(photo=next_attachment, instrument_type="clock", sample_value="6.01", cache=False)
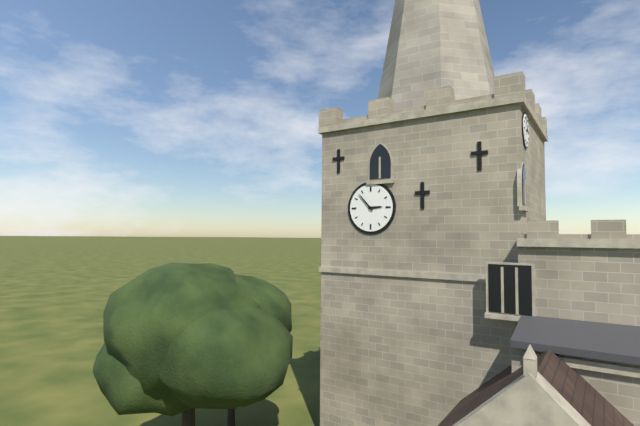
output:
2.53
